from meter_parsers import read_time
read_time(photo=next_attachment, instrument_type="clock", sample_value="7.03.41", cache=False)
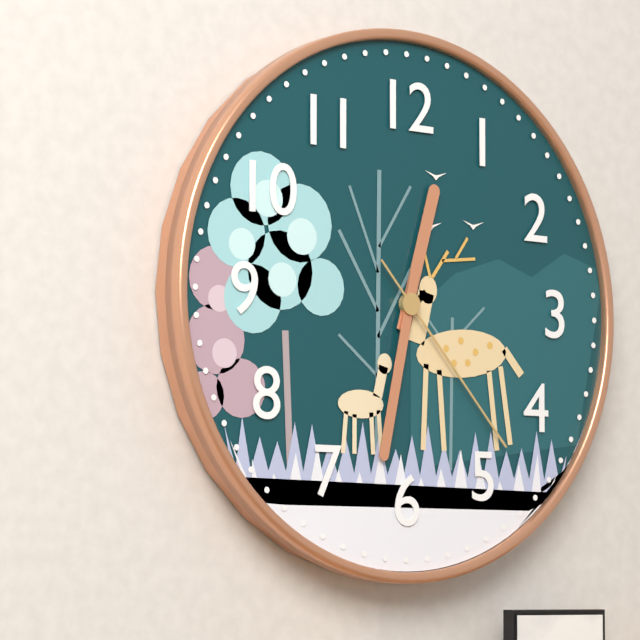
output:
12.32.23
